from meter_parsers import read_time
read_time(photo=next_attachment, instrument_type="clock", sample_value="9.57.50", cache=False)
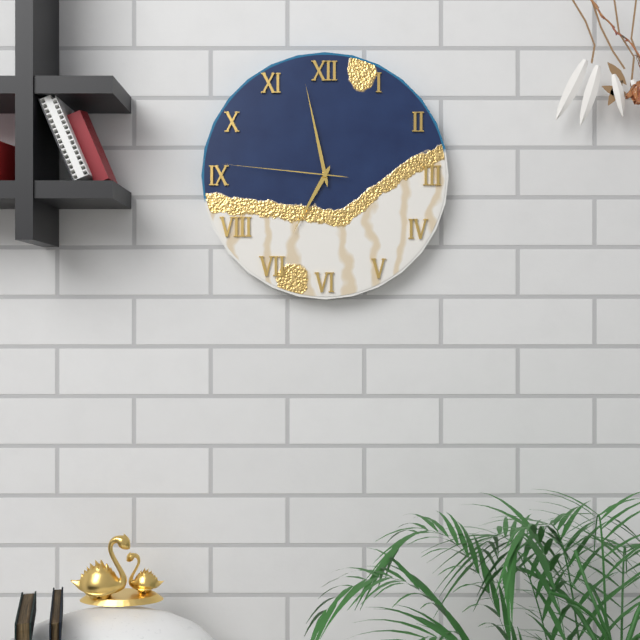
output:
6.58.46
